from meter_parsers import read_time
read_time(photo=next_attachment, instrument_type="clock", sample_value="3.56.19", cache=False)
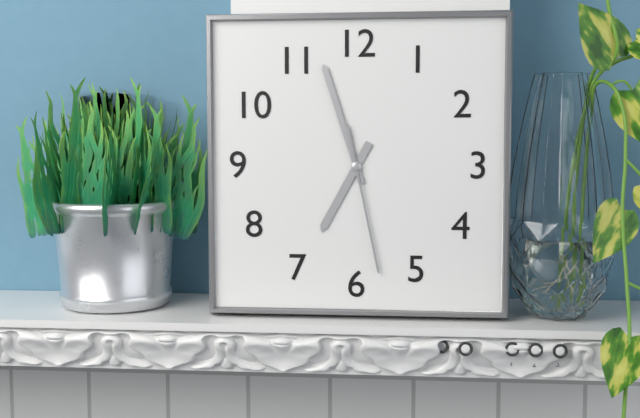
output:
6.57.28
